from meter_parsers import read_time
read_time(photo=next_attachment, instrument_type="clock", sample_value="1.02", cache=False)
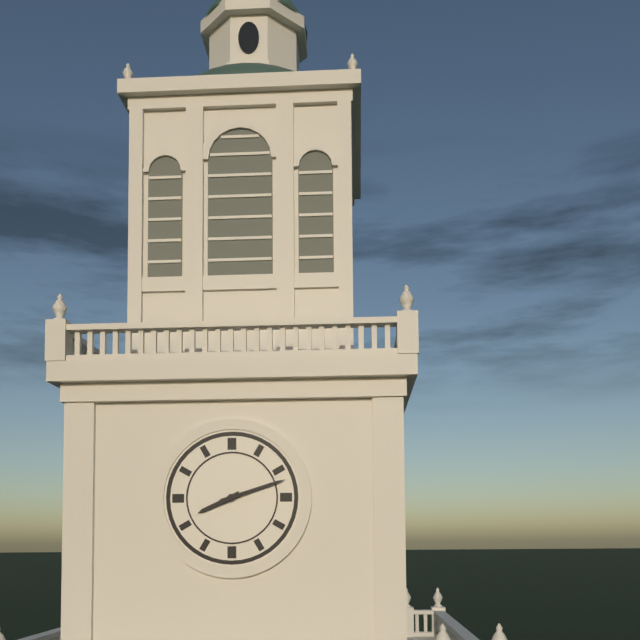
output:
8.12
